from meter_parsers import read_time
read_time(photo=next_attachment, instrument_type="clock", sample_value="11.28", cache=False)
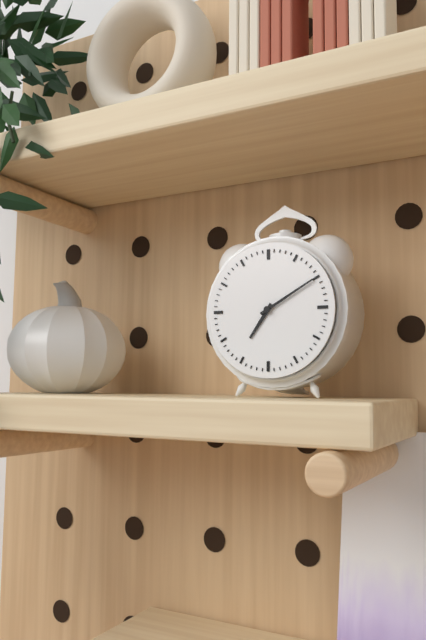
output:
7.10
